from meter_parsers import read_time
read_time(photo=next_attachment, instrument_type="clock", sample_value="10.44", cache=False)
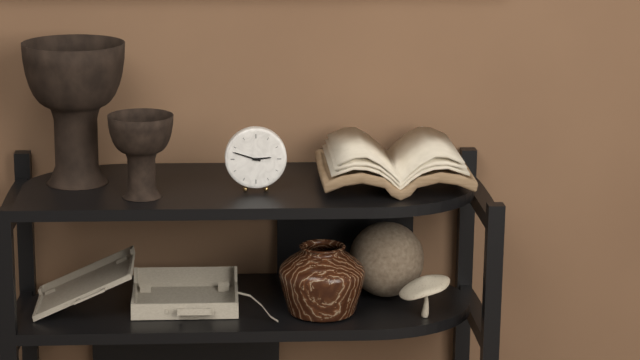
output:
2.48
